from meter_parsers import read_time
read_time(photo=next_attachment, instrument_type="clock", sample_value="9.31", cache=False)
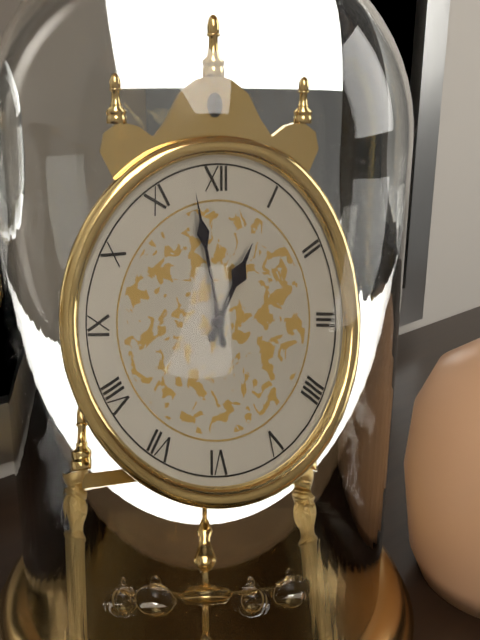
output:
12.58
